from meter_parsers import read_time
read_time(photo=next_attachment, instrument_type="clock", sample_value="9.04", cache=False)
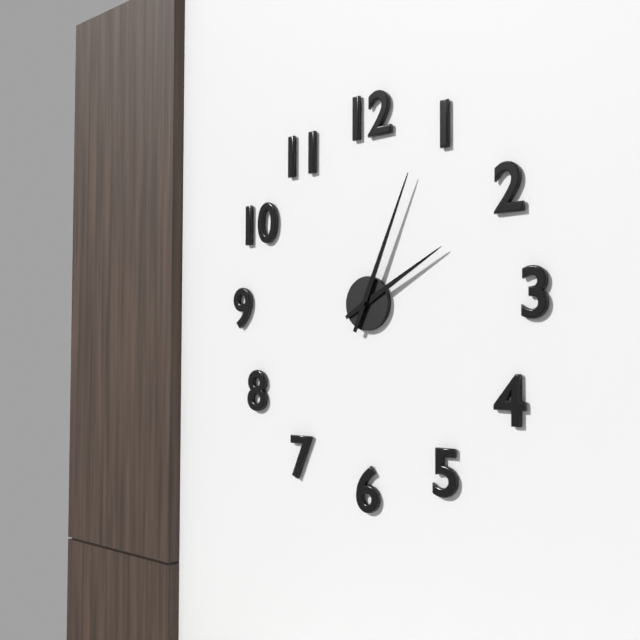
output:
2.04
